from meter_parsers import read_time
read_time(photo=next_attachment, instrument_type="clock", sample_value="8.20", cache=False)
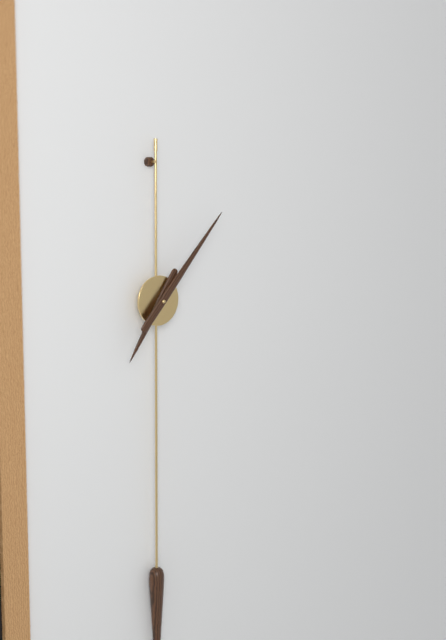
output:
7.07
